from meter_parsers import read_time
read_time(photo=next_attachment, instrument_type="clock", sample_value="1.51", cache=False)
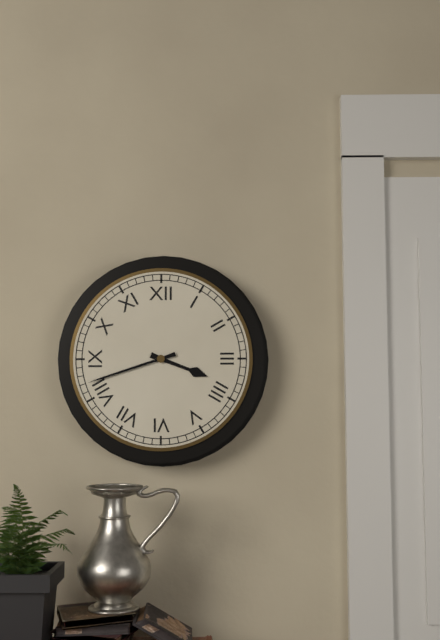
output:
3.42
